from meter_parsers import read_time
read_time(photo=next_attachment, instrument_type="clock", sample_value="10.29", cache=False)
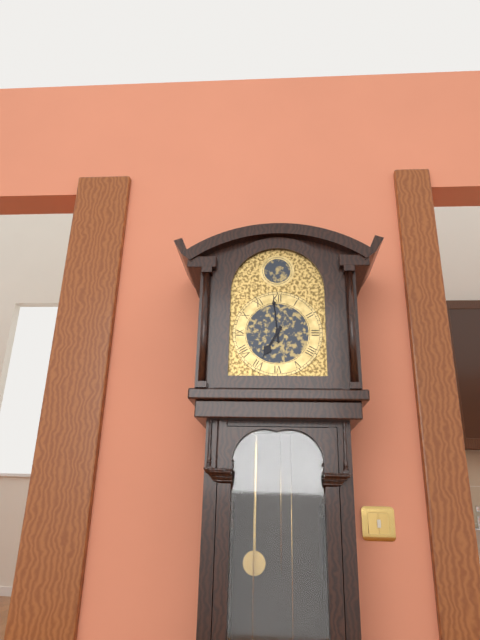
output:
6.59
